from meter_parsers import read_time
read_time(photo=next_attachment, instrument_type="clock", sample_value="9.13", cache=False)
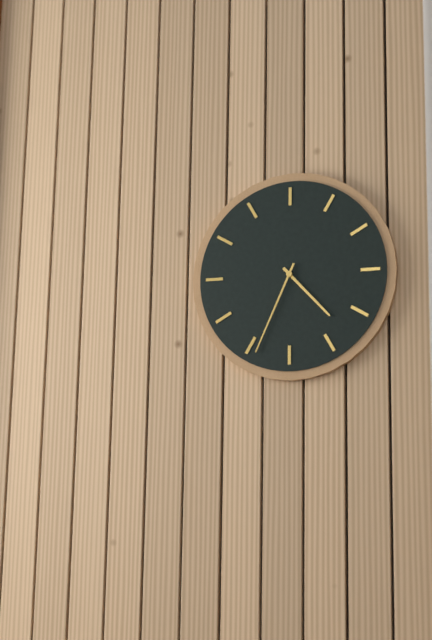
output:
4.34
